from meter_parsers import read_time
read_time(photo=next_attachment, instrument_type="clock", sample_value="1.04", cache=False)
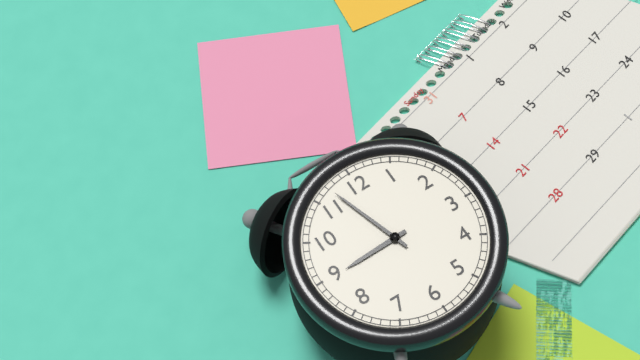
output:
8.57
